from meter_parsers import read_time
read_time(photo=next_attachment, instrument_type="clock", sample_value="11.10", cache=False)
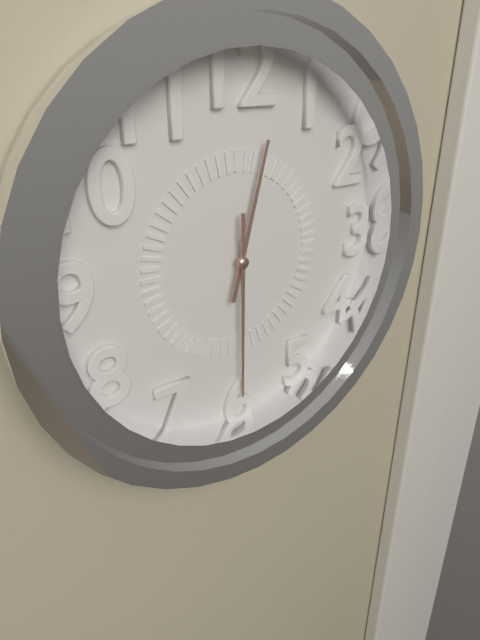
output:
12.30
